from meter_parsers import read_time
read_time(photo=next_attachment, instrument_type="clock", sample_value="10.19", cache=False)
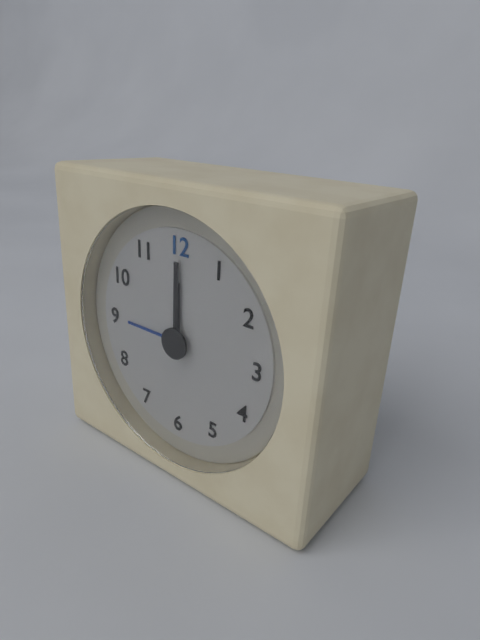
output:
12.00
